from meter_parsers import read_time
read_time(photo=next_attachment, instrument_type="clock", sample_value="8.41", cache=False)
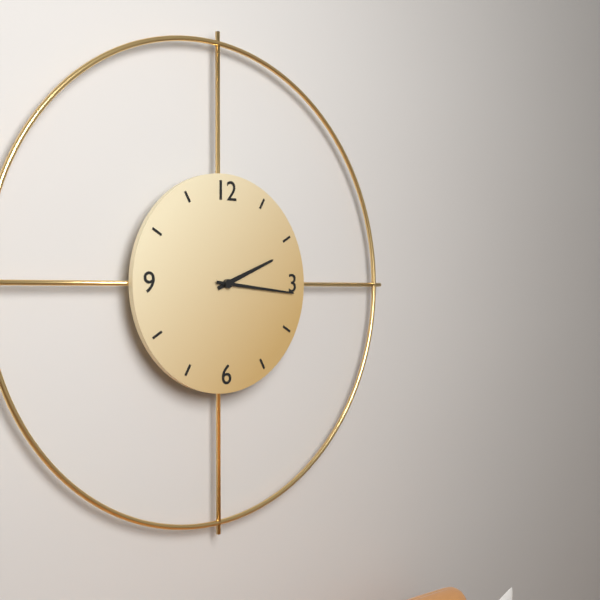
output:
2.16
